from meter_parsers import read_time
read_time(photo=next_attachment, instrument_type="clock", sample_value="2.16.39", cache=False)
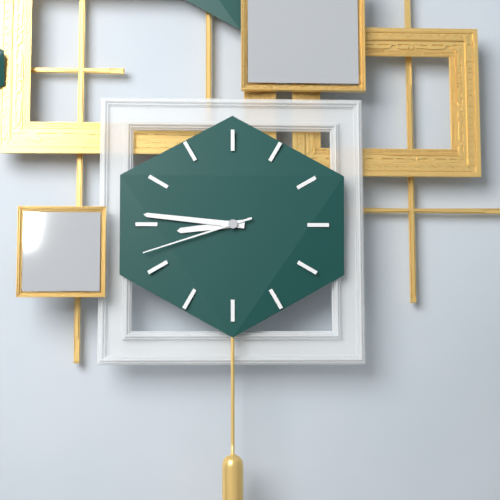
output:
8.46.42
